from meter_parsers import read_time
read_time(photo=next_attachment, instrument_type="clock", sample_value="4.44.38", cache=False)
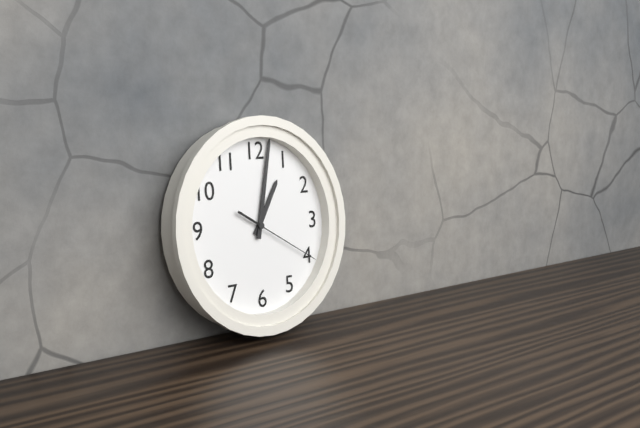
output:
1.02.20
